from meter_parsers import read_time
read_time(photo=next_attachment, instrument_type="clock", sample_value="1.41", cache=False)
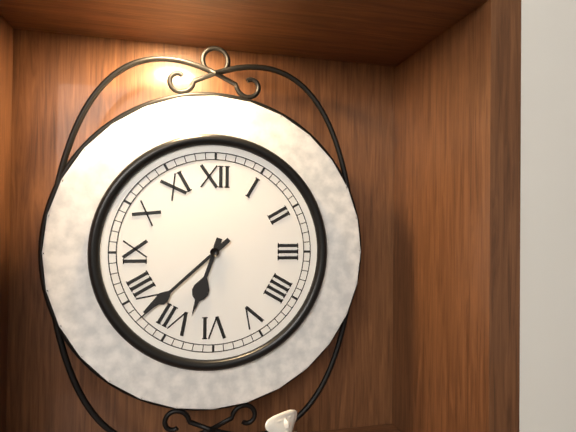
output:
6.38
